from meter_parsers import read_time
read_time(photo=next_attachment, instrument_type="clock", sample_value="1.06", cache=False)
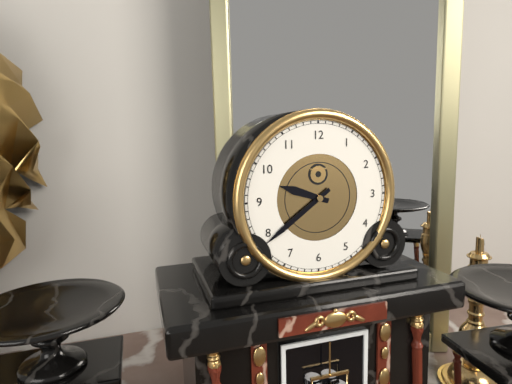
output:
9.39
